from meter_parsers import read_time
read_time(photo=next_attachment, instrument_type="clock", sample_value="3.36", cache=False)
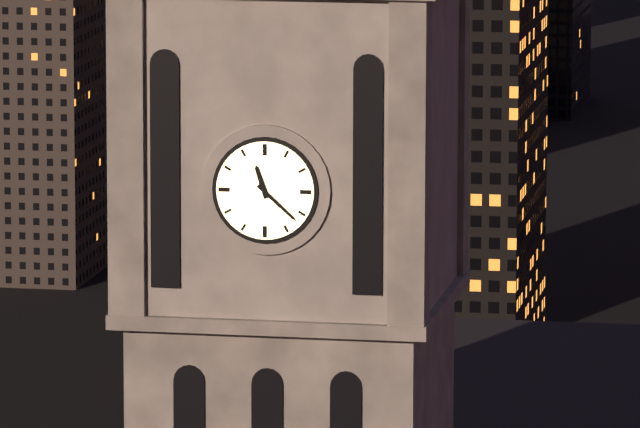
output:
11.22
